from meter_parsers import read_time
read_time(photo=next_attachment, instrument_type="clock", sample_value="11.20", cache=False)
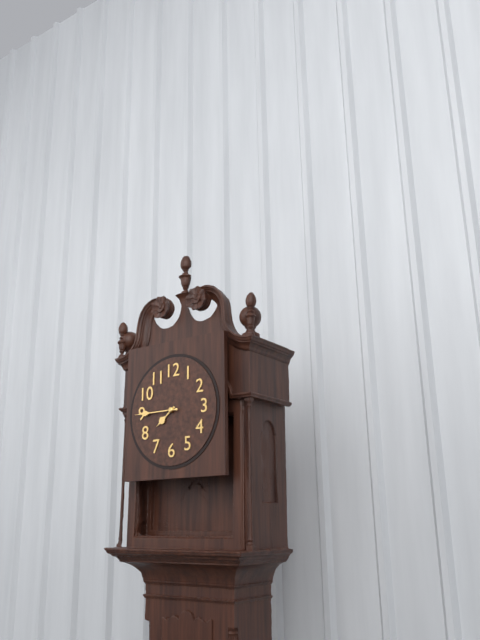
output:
7.45
